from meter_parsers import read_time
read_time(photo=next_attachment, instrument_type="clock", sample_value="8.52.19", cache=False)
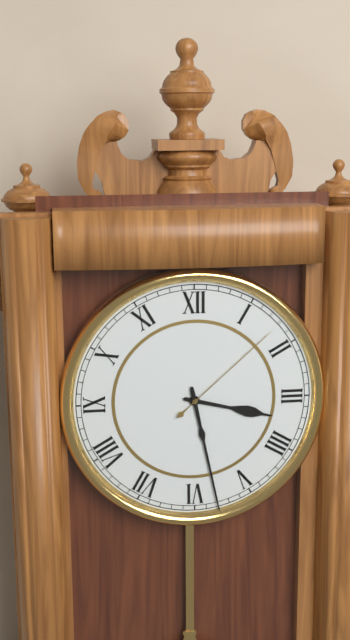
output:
3.28.08
